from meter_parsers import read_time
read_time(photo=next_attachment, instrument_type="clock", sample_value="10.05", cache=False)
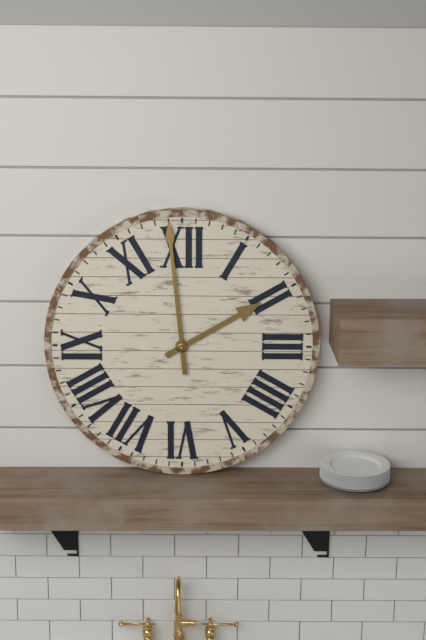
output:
1.59
